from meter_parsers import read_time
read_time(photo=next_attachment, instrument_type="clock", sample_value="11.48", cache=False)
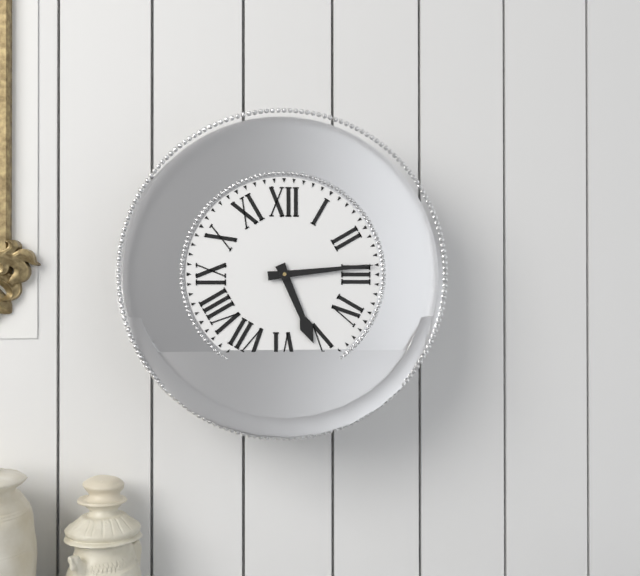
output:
5.14
